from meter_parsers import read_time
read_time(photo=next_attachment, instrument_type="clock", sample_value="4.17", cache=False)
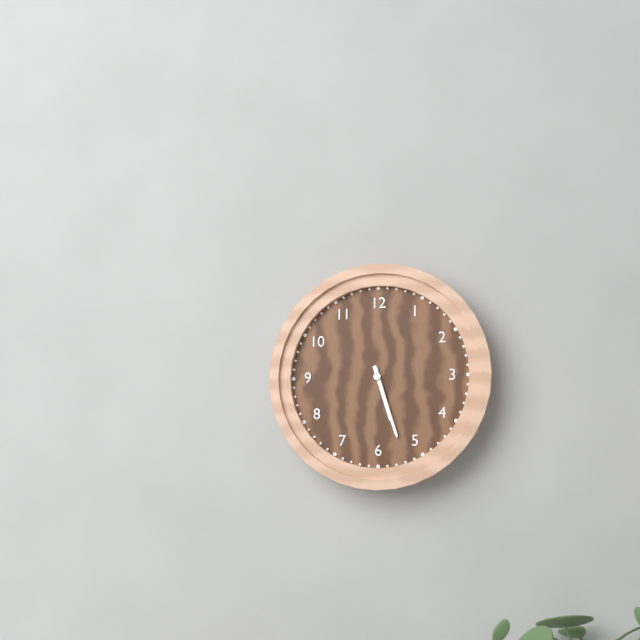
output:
5.27
